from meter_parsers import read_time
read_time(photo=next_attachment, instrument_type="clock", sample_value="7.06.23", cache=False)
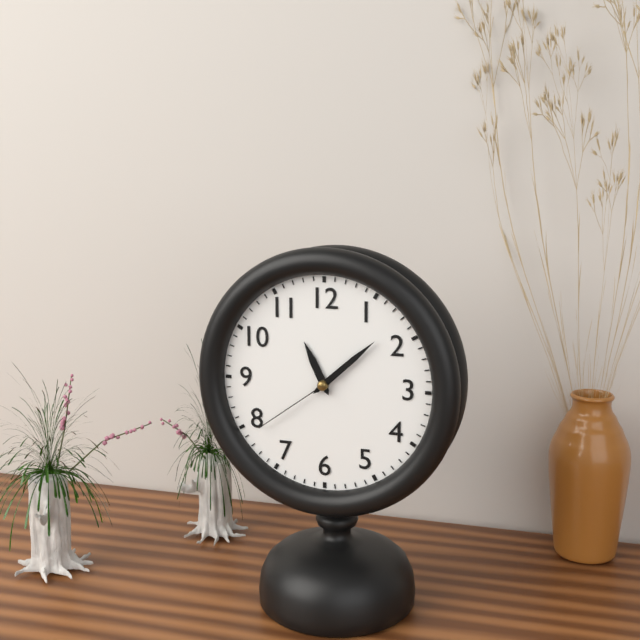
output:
11.08.39
